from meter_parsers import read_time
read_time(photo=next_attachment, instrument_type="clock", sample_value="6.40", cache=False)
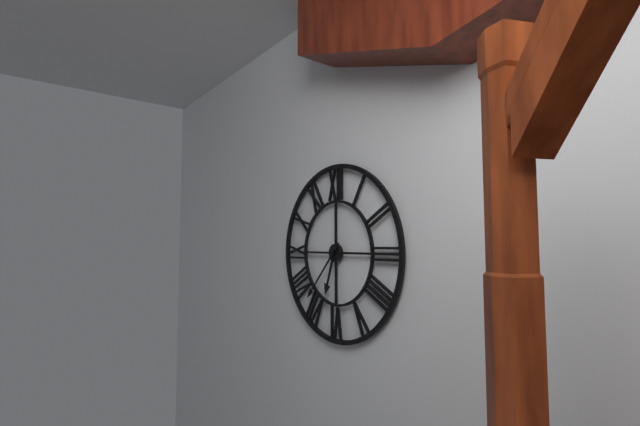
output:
6.37
